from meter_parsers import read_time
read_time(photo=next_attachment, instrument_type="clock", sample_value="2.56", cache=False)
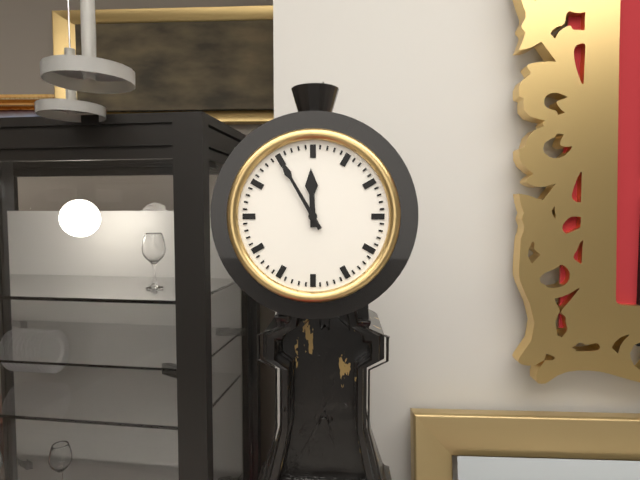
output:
11.55
